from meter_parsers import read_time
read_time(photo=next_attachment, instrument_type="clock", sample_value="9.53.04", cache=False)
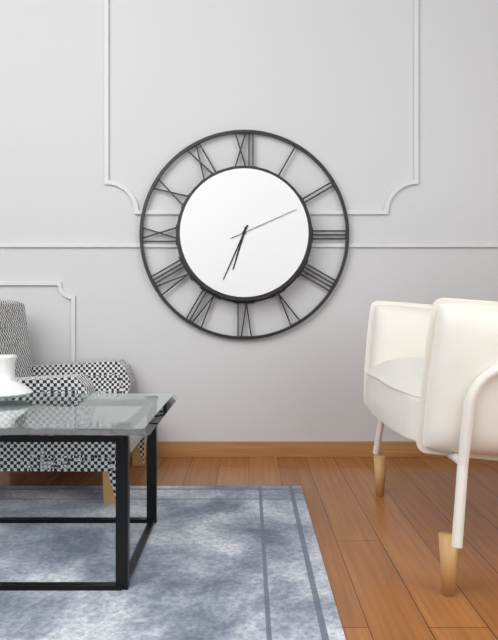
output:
6.34.11
